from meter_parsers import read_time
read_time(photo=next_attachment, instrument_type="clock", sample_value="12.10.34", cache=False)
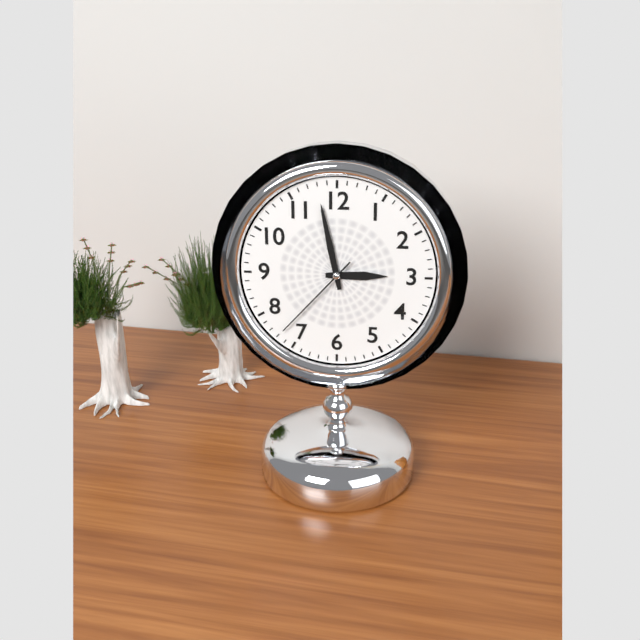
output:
2.58.37
